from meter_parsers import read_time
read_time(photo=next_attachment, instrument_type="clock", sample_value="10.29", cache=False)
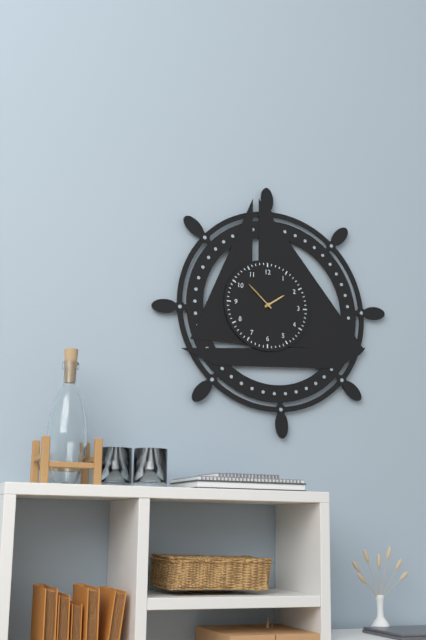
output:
1.52
